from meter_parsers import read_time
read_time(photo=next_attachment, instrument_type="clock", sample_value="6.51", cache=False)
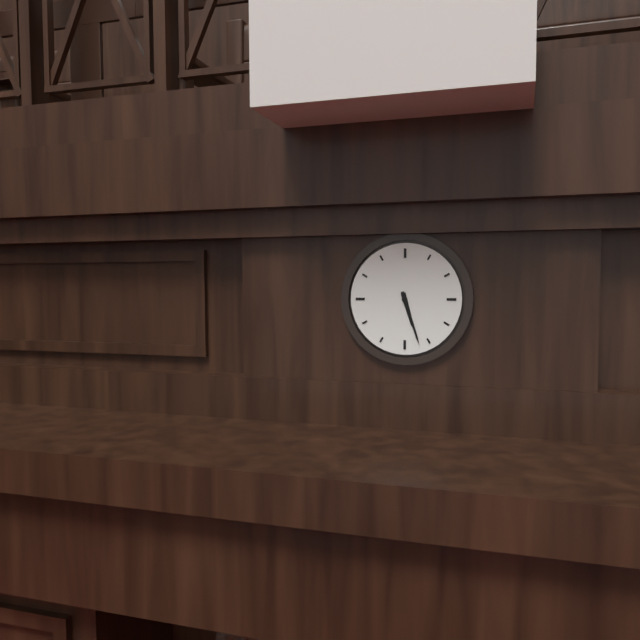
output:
5.27
